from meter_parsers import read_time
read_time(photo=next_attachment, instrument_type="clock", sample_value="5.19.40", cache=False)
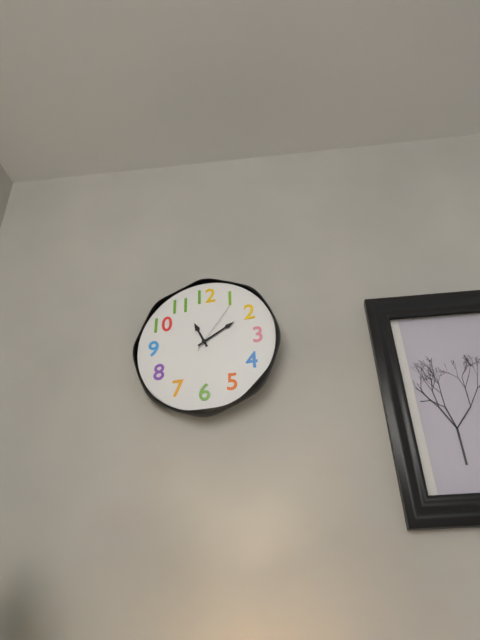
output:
11.10.06
